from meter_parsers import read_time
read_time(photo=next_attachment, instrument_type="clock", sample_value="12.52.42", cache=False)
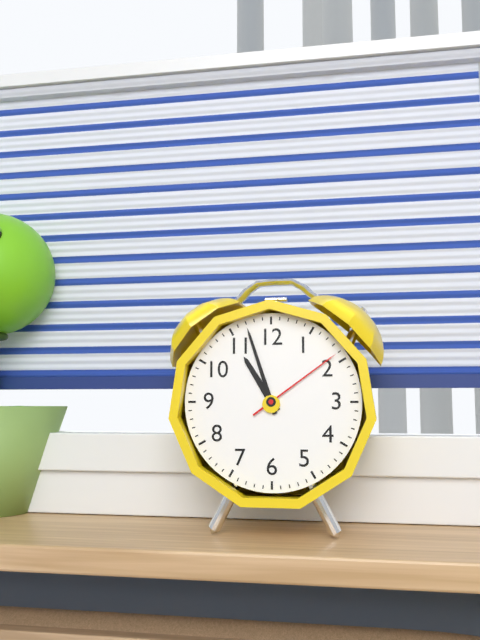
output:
10.57.09
